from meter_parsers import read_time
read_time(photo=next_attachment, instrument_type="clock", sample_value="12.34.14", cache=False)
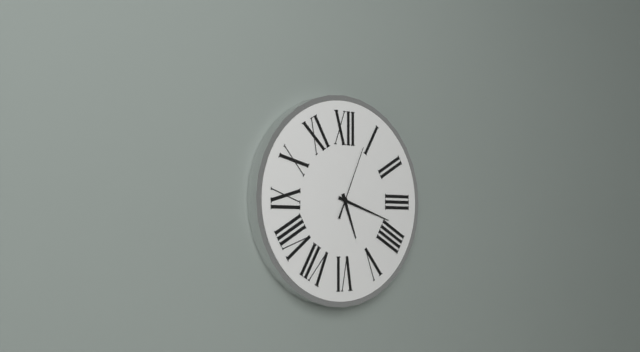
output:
5.18.04
